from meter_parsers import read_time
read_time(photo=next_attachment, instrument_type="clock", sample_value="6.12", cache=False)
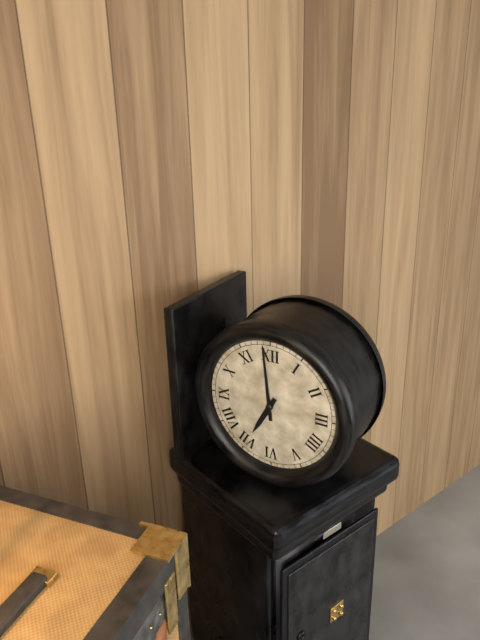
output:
6.59
